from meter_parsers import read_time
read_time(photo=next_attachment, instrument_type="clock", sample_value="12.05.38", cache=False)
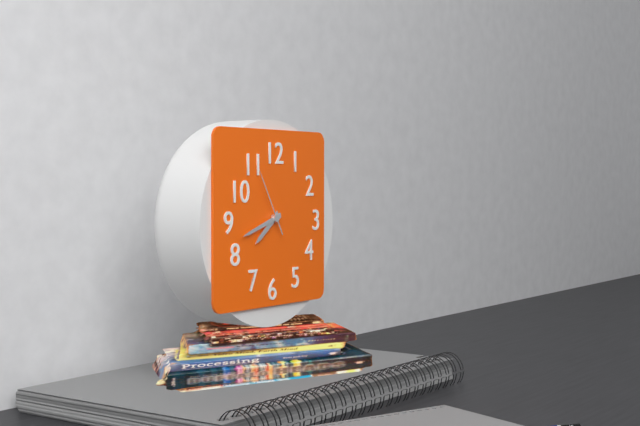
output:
7.42.55
